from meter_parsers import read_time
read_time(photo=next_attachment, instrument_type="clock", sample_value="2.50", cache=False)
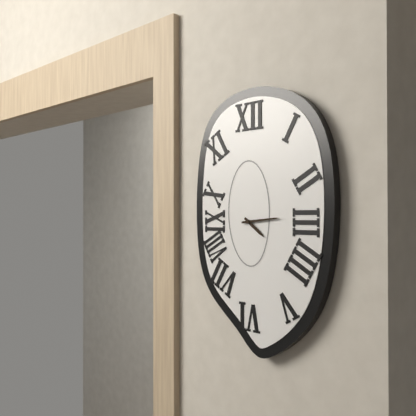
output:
4.14
